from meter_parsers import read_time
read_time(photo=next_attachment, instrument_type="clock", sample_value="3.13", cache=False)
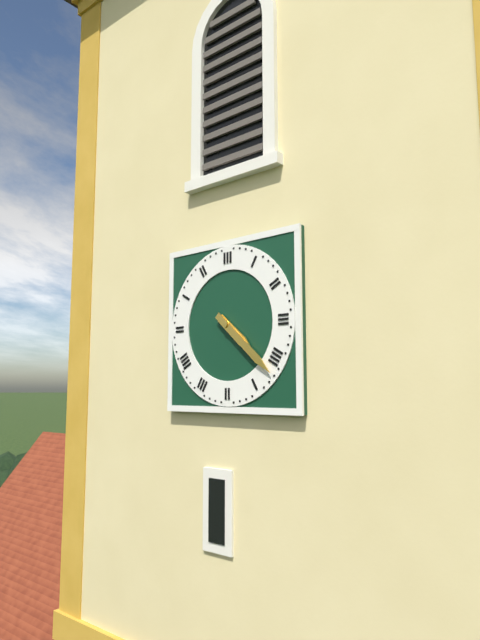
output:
4.22
